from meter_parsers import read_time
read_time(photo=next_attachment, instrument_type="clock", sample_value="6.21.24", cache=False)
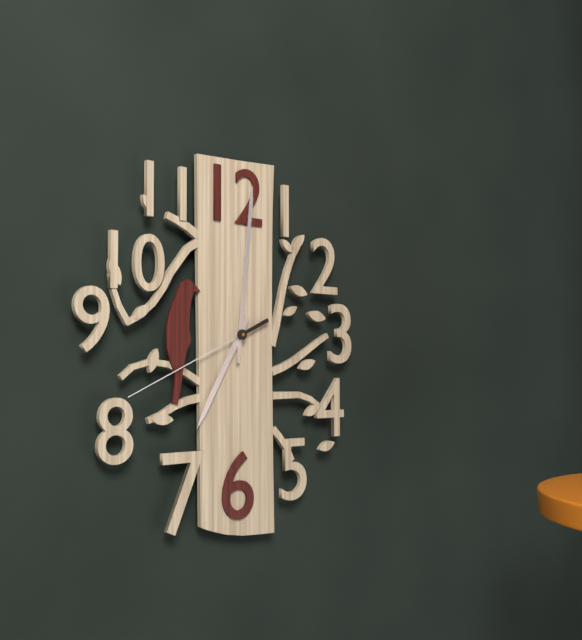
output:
7.01.41
